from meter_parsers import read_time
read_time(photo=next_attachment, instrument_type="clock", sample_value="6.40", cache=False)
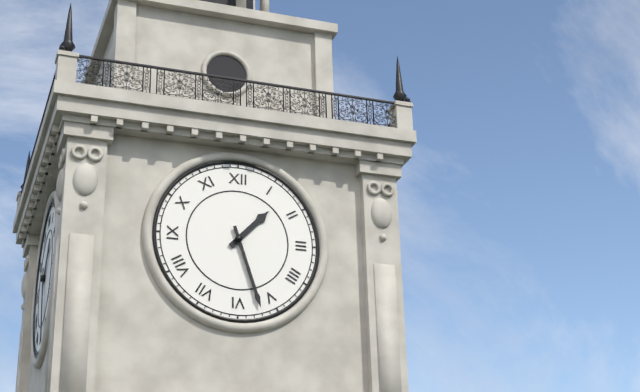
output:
1.27
